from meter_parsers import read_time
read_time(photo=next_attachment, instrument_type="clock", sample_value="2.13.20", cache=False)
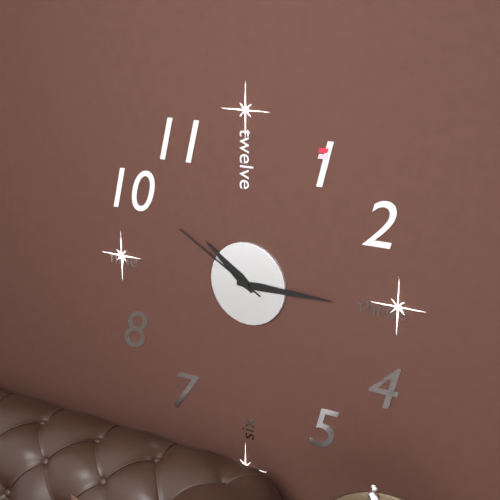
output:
10.15.50
